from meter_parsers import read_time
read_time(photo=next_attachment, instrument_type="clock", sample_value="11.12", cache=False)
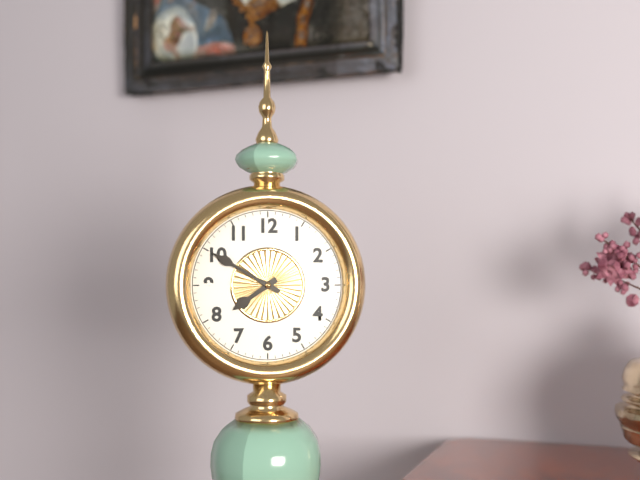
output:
7.50
